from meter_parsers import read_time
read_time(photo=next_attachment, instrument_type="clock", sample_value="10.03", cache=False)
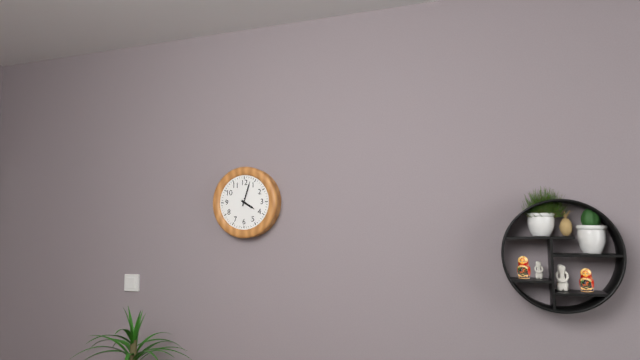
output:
4.03
